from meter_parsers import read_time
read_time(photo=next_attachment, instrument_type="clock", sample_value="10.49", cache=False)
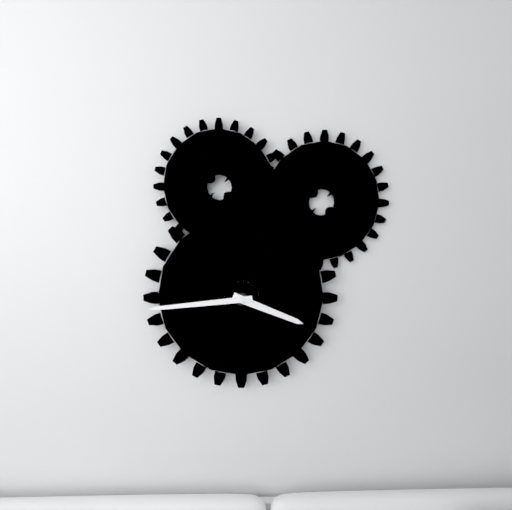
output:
3.44
